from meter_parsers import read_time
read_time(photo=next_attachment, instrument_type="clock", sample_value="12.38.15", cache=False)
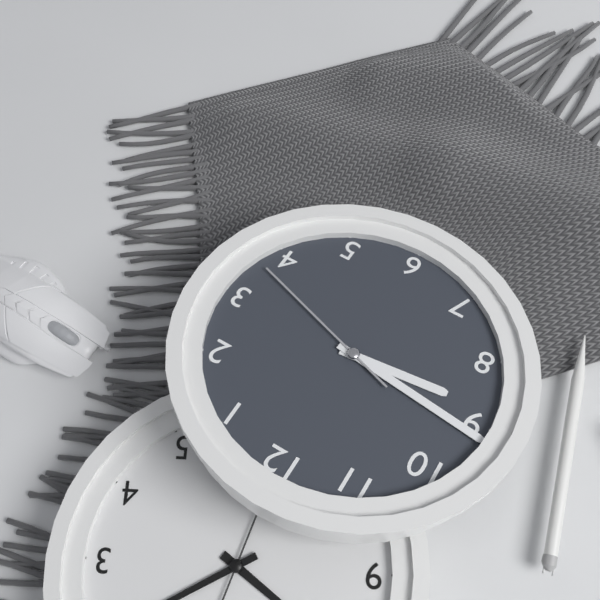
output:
8.46.18
